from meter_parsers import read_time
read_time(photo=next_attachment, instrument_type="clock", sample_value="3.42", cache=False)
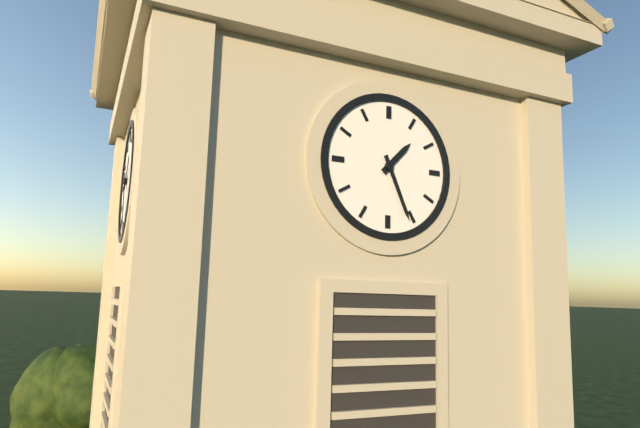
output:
1.26
